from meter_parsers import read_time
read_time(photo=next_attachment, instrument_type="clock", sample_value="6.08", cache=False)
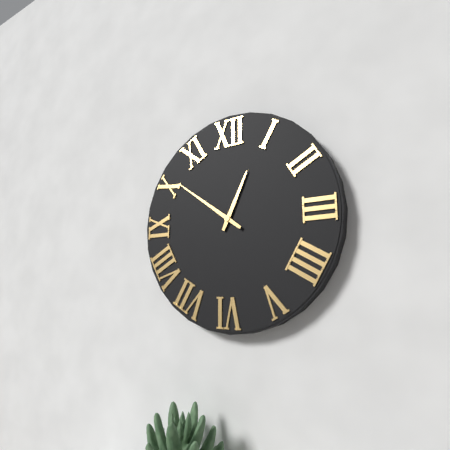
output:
12.51
